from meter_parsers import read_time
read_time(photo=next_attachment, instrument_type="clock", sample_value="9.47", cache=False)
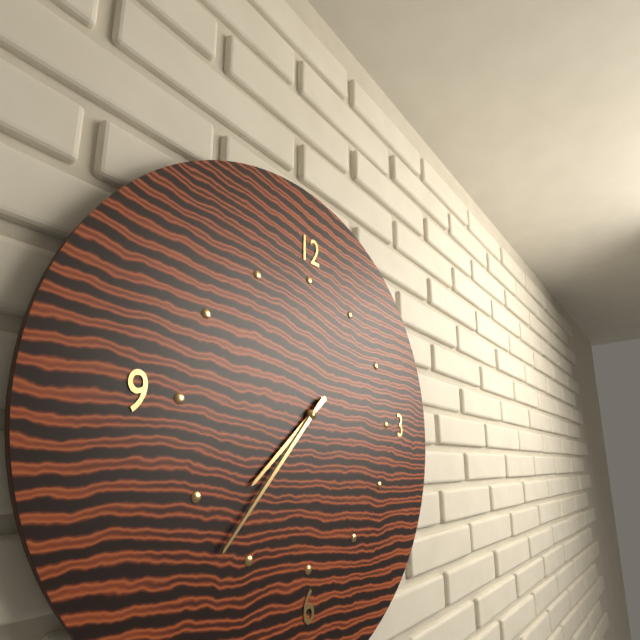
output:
7.37
